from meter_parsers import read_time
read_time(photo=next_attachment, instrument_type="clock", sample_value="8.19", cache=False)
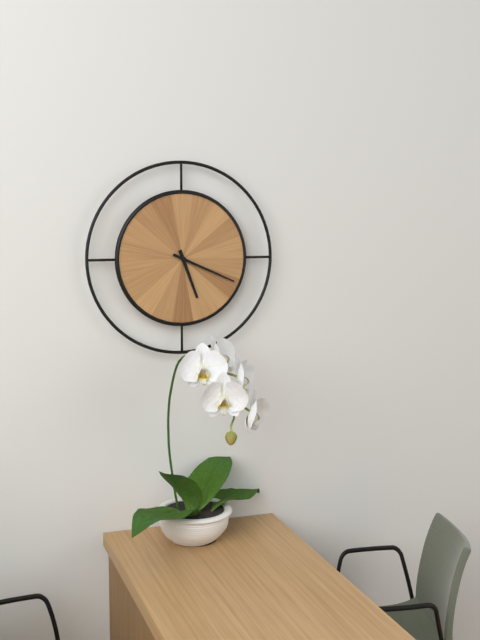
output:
5.19
